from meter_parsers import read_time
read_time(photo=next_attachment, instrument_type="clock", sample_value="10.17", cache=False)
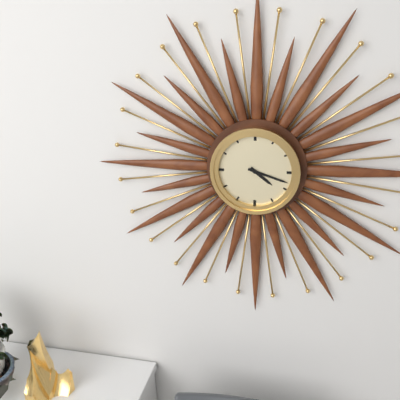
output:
4.18
